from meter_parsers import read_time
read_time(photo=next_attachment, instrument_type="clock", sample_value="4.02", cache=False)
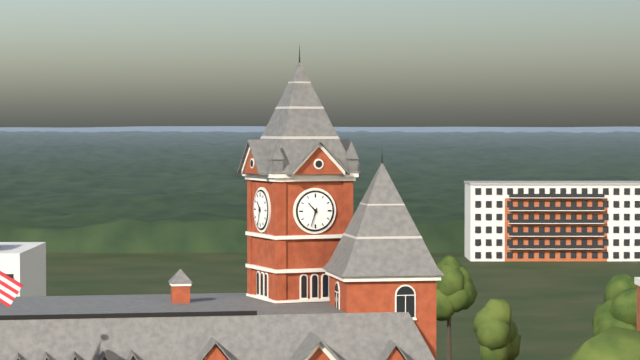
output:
10.33
